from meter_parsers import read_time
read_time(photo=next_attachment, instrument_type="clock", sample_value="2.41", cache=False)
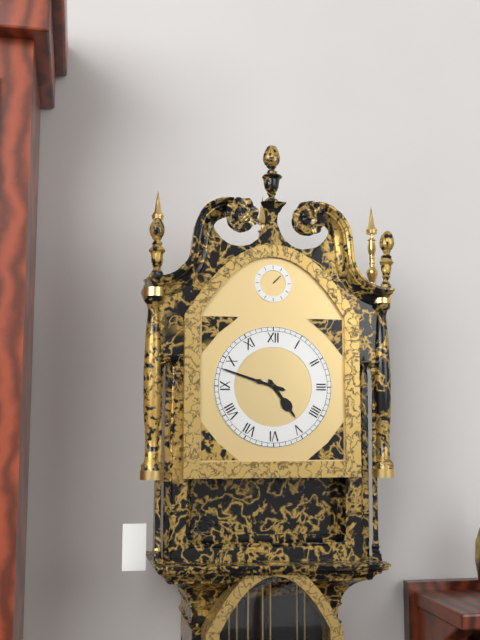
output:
4.48
